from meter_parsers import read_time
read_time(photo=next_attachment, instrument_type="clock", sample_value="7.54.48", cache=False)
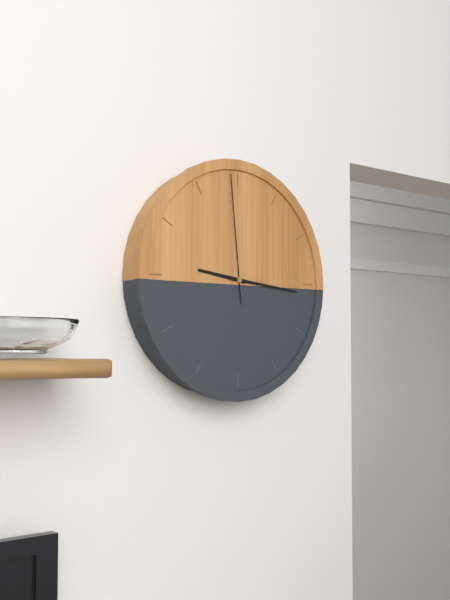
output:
9.16.59
